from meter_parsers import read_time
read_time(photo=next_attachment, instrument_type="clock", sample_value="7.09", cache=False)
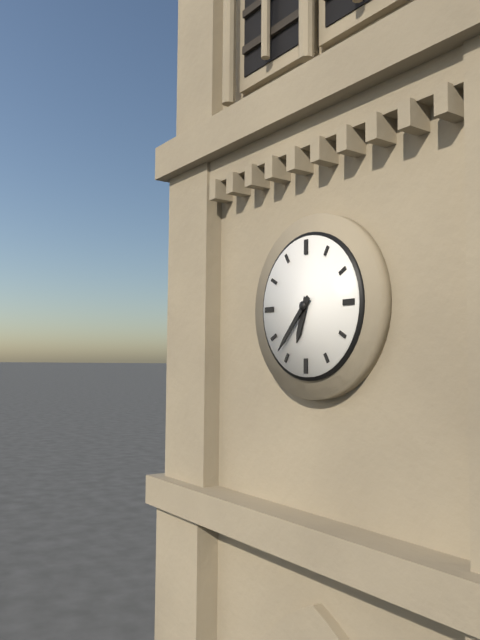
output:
6.37
